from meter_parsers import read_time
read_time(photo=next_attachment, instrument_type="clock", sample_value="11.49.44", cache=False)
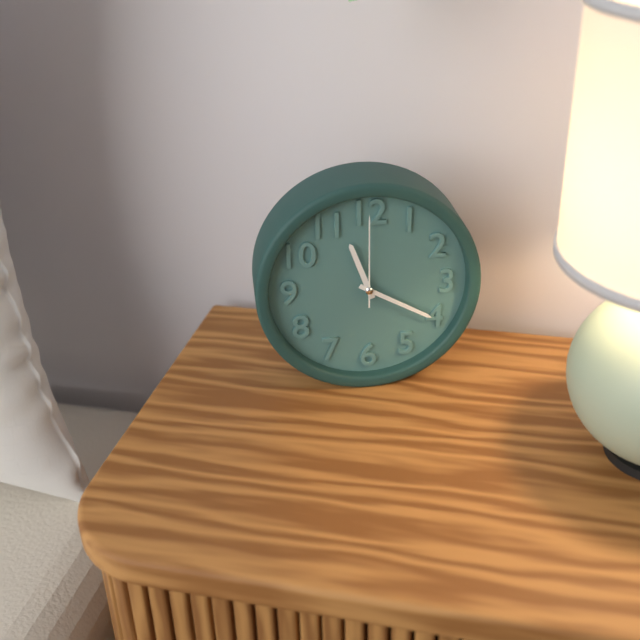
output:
11.20.00
